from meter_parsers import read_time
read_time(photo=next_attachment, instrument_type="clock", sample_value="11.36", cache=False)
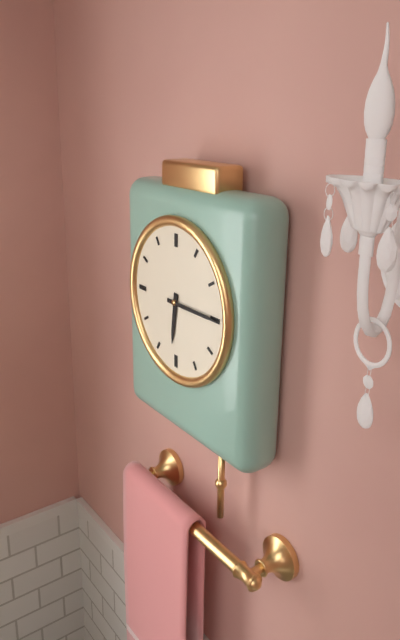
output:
6.15
